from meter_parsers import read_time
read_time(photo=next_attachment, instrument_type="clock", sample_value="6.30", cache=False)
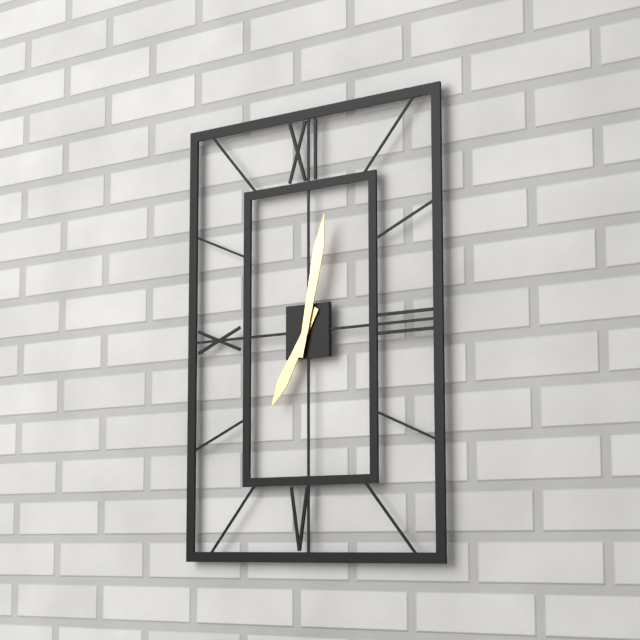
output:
7.02
